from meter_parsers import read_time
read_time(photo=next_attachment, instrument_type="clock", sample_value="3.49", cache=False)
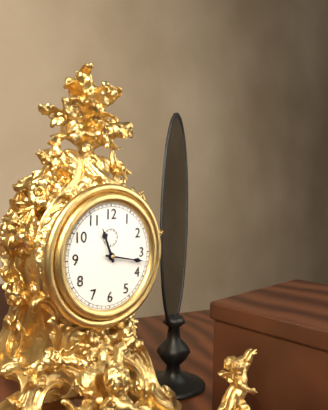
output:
11.17
